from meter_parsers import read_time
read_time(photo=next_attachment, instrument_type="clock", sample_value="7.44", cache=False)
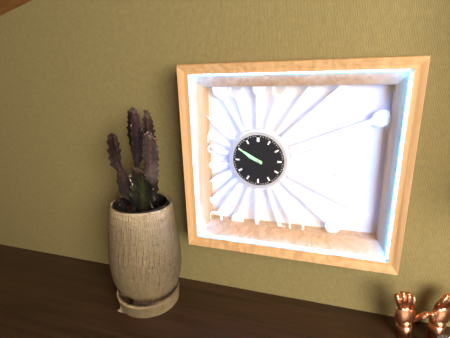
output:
9.50
